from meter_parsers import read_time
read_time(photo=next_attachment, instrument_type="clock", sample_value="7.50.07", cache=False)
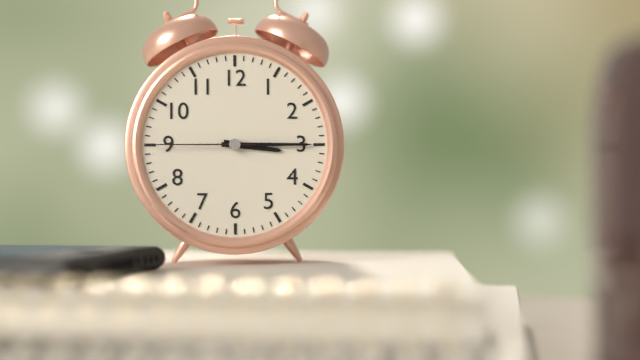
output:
3.15.45
